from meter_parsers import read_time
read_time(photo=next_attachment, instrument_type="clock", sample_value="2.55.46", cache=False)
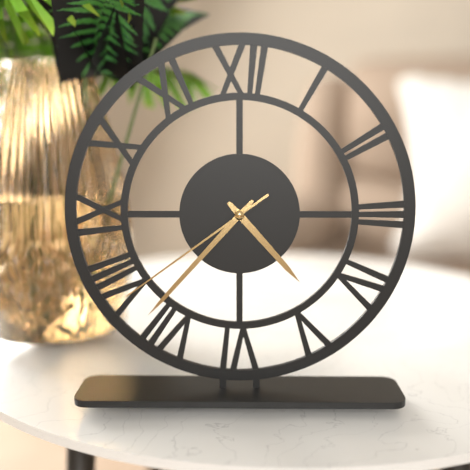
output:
4.37.39
